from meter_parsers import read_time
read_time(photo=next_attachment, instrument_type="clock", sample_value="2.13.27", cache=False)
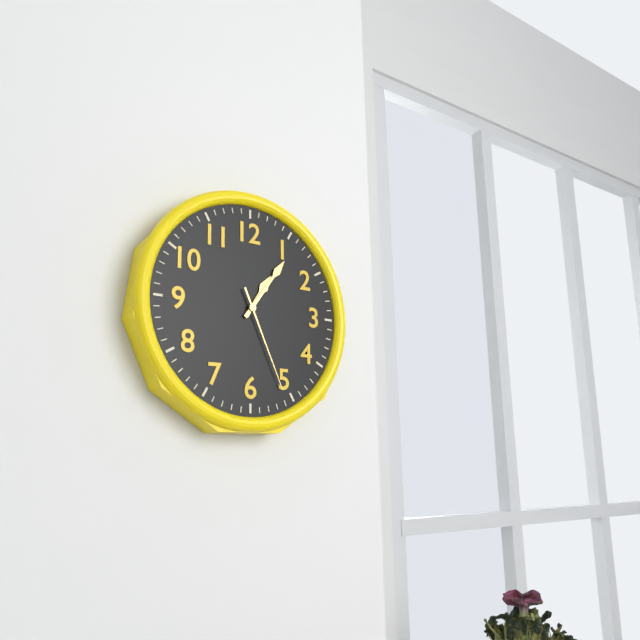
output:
1.06.26
